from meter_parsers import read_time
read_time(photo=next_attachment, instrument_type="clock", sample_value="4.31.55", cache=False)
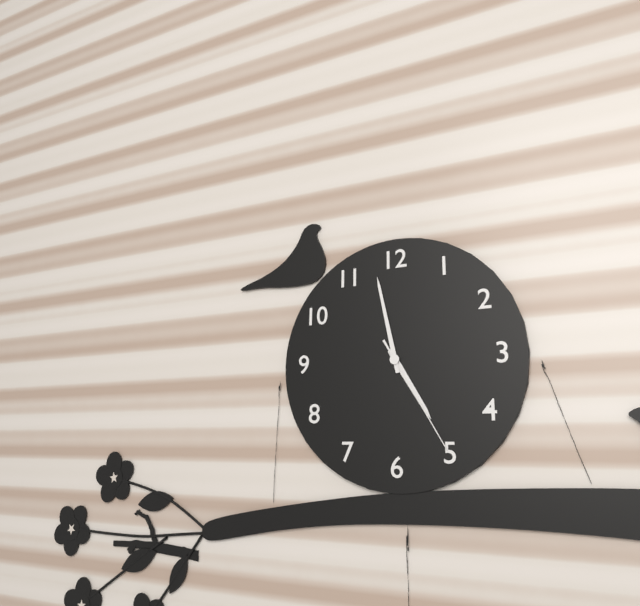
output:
4.58.25
